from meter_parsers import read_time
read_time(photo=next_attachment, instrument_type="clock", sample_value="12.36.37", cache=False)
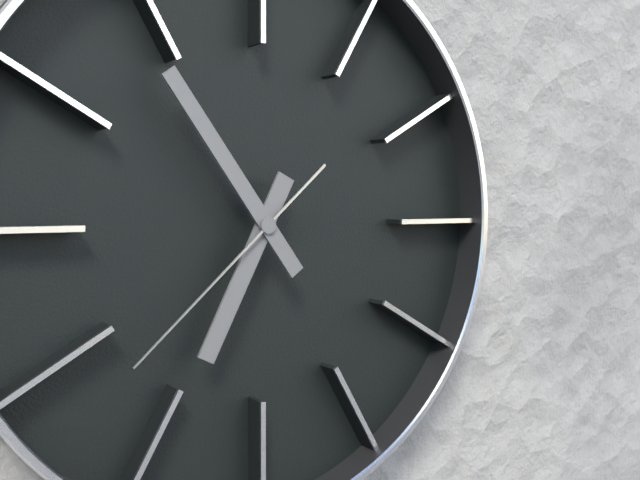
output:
6.54.38
